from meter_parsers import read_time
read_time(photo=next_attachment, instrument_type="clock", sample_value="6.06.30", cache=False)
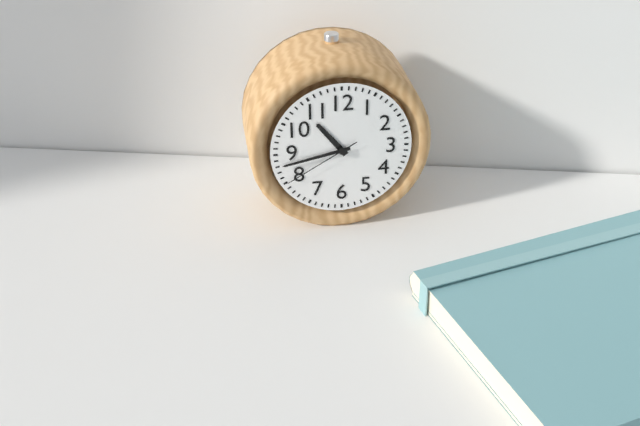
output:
10.43.40
